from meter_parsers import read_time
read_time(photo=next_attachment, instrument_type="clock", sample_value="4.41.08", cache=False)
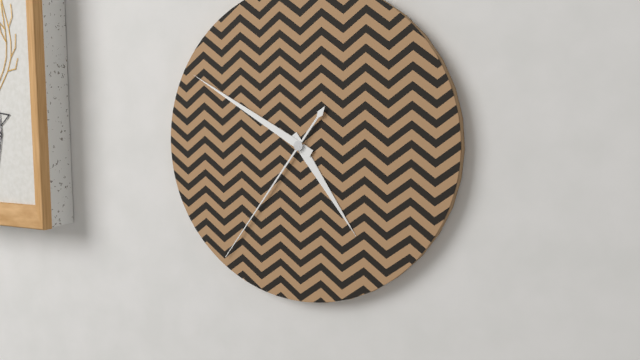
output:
4.50.36
